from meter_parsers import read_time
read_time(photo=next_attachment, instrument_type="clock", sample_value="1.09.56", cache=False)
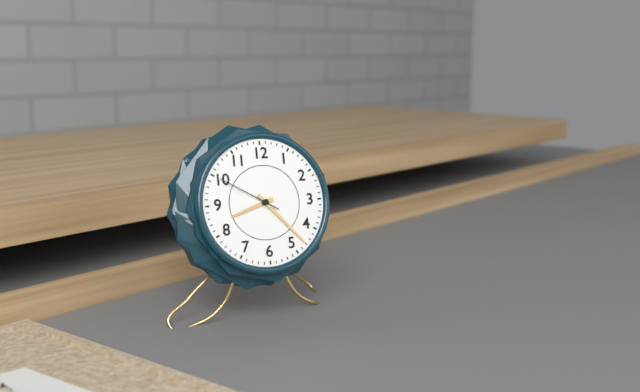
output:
8.23.50
